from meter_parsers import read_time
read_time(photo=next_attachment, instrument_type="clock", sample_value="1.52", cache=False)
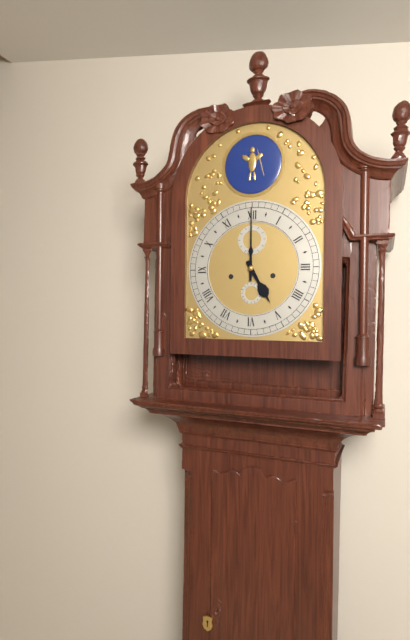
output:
5.00
